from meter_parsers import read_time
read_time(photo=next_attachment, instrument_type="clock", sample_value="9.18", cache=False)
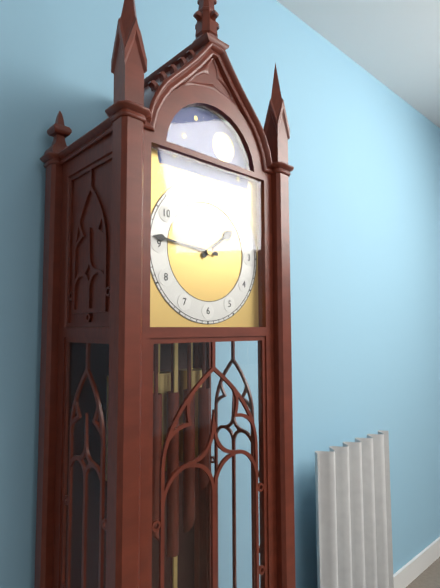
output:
1.46
